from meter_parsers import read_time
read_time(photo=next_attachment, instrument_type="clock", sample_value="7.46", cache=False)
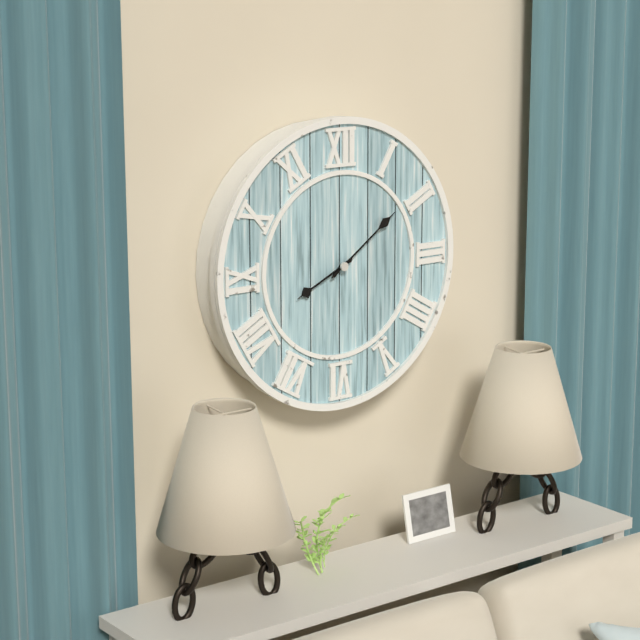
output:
8.09
